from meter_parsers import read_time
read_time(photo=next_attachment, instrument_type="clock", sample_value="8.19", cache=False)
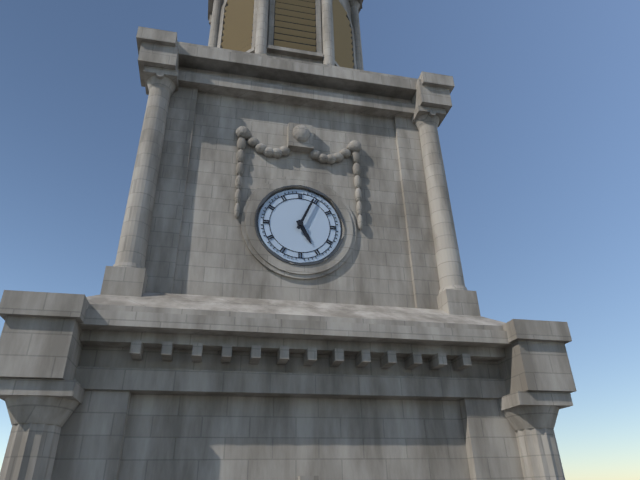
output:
5.04
